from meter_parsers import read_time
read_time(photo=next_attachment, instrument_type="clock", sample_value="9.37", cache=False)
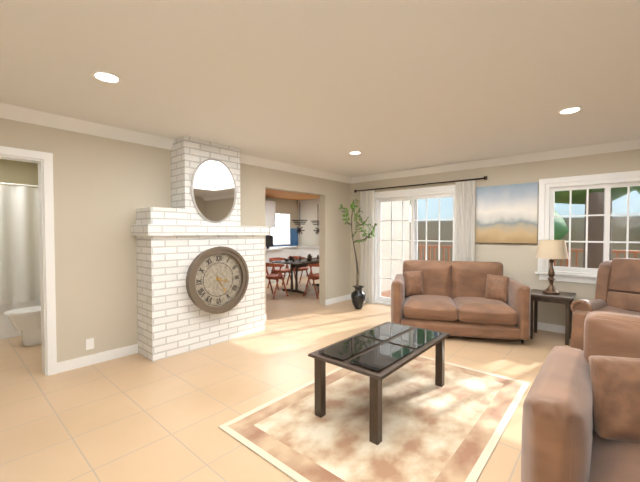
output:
3.25
